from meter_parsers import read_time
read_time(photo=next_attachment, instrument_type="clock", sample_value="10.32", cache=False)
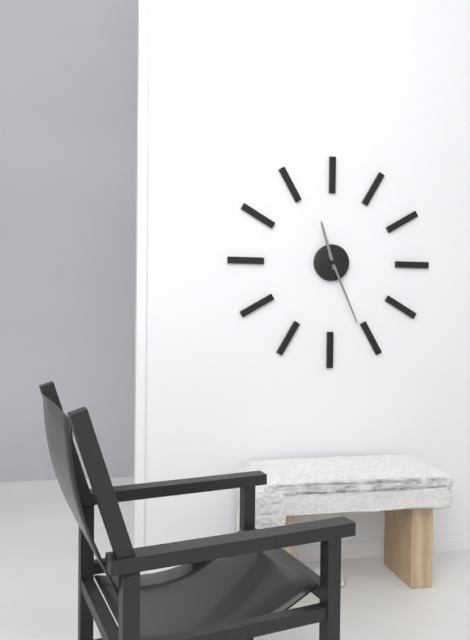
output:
11.26
